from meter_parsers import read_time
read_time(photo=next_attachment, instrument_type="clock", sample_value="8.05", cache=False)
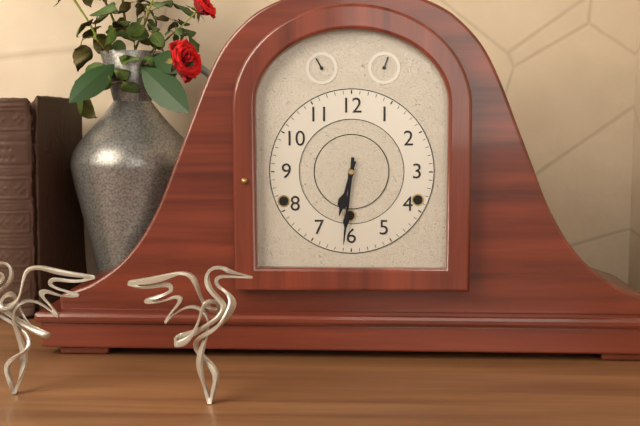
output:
6.31
